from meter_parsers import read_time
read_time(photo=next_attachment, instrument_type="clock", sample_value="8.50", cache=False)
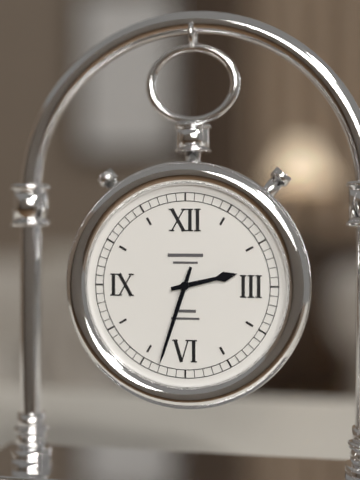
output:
2.33
